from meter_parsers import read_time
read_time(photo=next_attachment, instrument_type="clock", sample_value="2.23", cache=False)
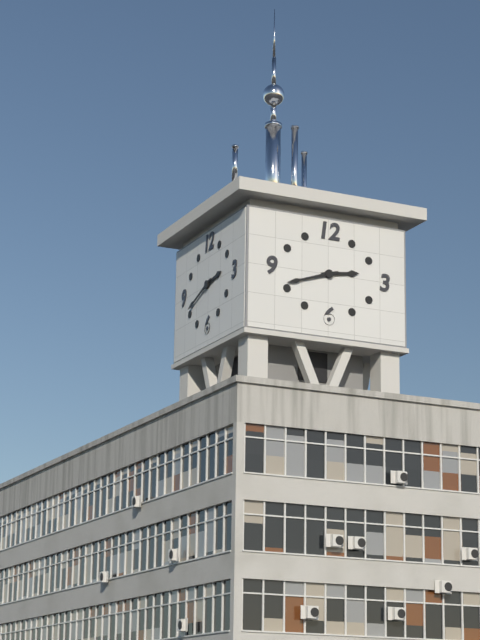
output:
2.42
